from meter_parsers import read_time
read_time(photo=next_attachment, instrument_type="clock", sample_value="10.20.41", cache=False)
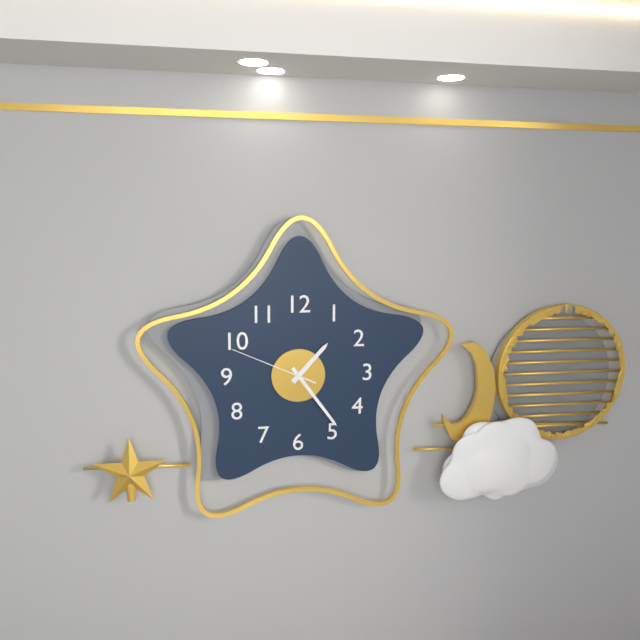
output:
1.24.49
